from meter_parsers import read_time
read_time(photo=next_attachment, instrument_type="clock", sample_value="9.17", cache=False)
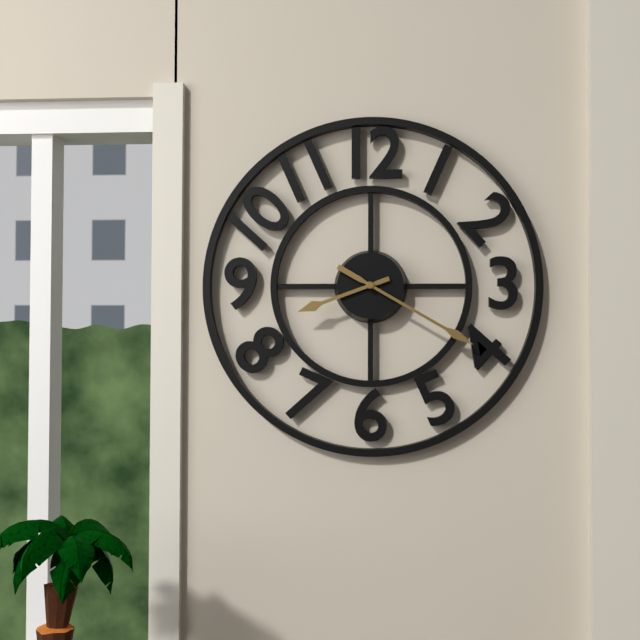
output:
8.20
